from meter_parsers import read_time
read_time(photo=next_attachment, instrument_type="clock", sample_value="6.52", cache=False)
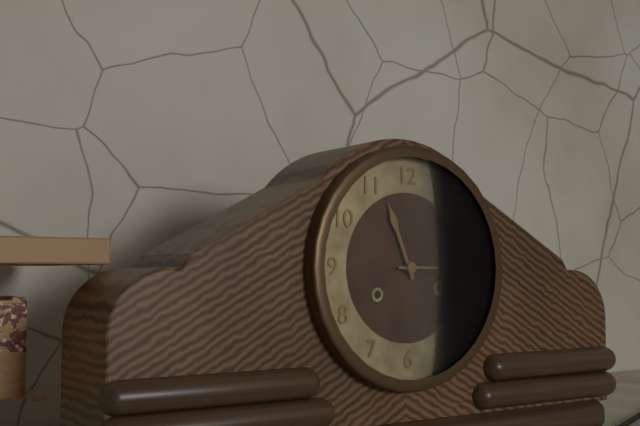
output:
11.15
